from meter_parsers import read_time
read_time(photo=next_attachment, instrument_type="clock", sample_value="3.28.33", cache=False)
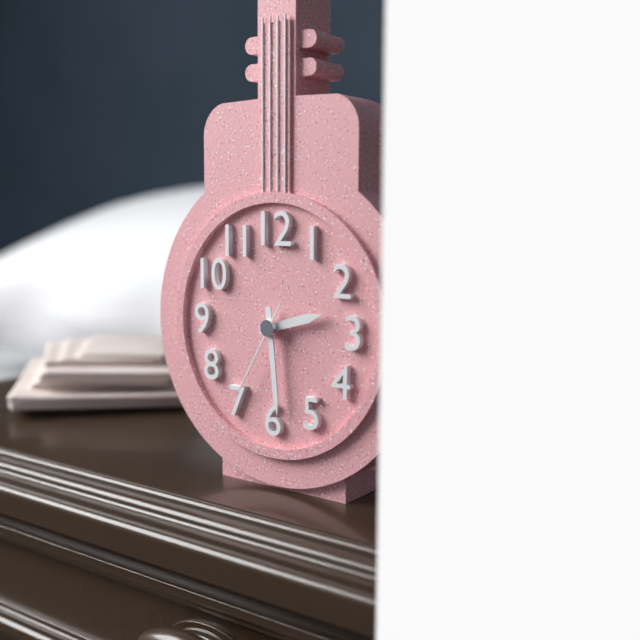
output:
2.29.35
